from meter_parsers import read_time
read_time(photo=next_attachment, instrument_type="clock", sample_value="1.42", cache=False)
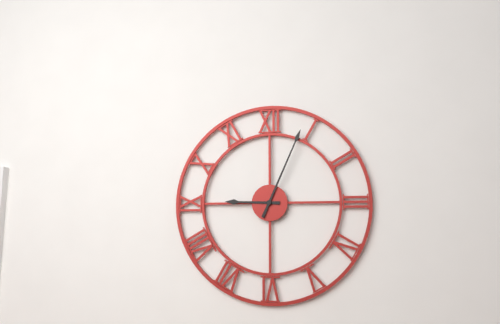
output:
9.04
